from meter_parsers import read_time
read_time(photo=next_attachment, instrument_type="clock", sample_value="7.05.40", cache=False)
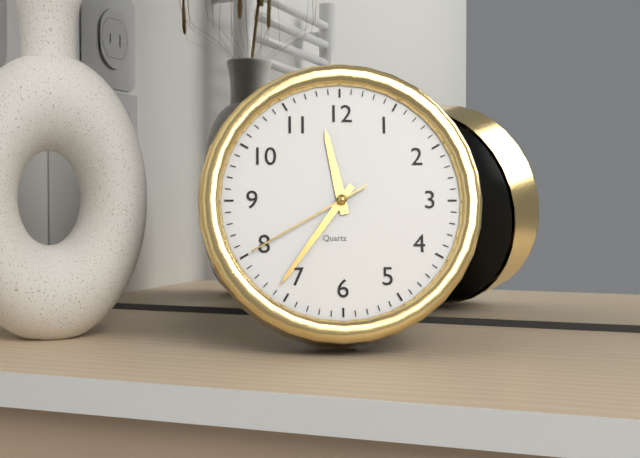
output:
11.36.40
